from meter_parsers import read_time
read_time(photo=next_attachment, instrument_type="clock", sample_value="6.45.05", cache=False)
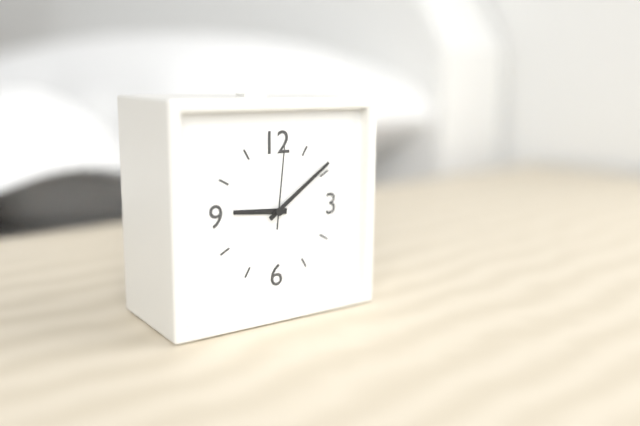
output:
9.09.01
